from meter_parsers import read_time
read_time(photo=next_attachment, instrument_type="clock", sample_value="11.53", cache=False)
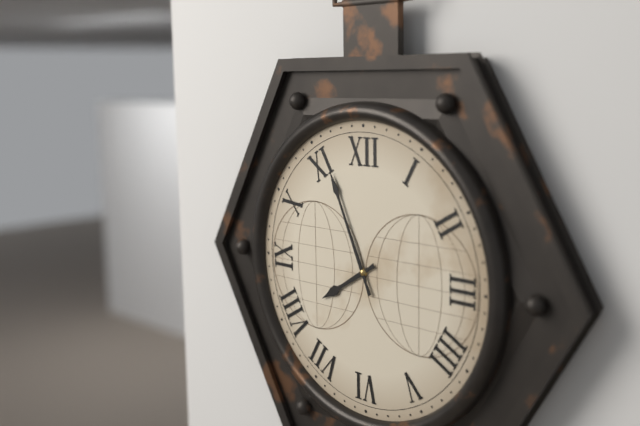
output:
7.56
